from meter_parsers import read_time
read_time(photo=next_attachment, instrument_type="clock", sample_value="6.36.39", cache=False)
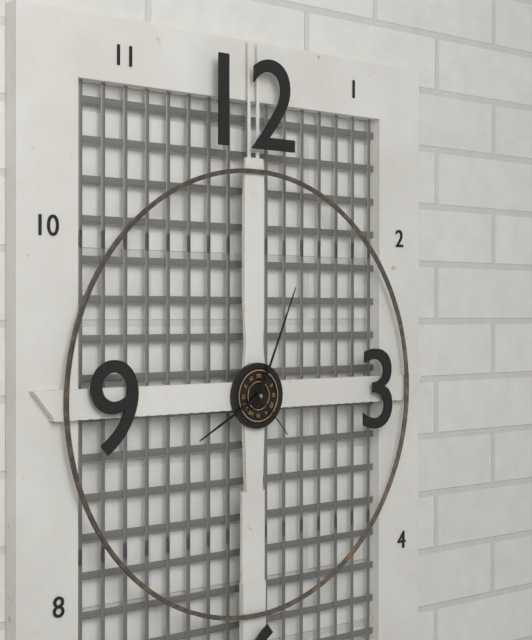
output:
8.04.23
